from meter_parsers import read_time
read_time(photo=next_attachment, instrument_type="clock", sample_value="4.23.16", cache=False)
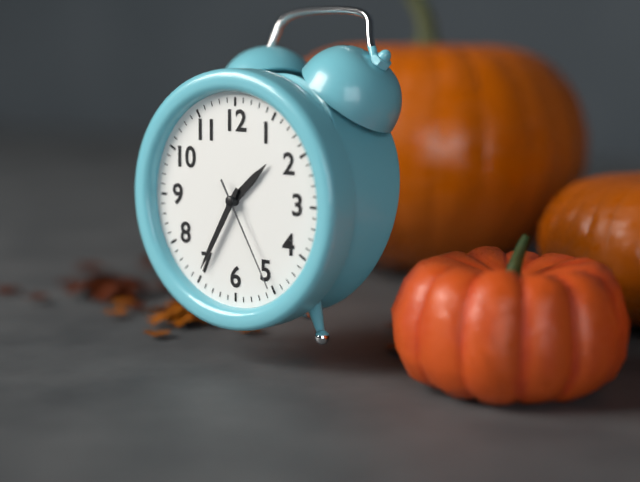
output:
1.35.25
